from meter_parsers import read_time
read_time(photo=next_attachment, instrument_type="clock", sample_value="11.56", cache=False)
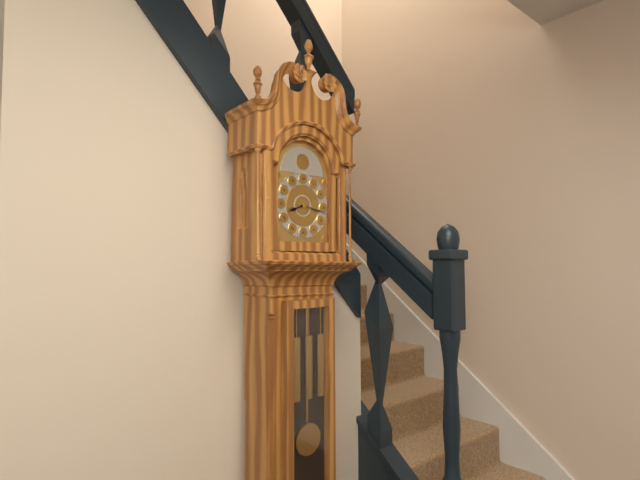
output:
8.17
